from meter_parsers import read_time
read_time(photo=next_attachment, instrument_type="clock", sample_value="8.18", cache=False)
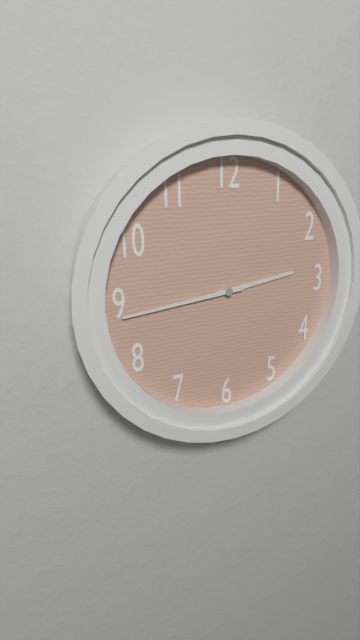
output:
2.44
